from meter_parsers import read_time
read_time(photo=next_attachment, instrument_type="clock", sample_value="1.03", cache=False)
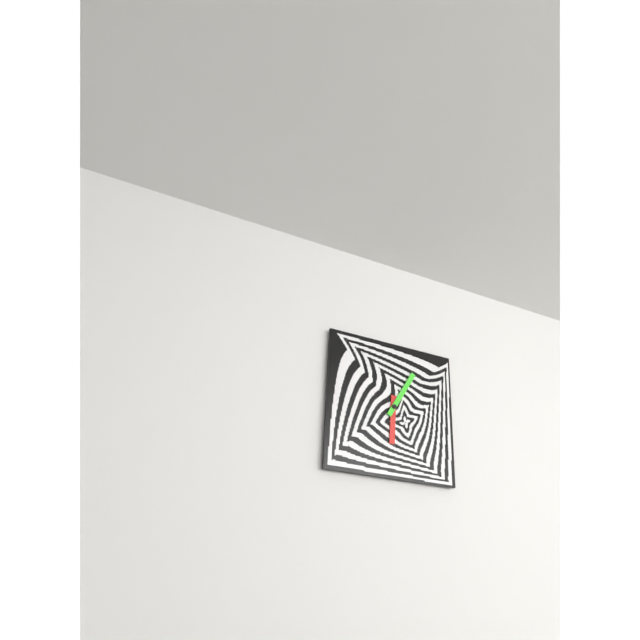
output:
6.05
